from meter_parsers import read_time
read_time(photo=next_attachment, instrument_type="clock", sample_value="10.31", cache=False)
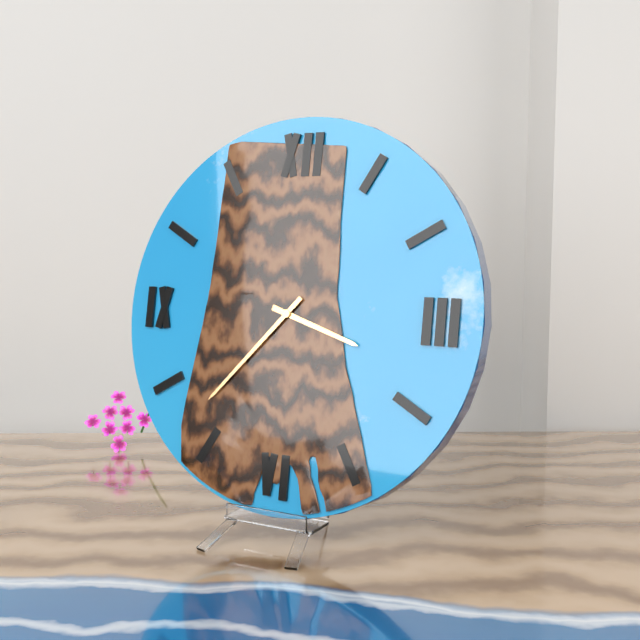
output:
3.37
